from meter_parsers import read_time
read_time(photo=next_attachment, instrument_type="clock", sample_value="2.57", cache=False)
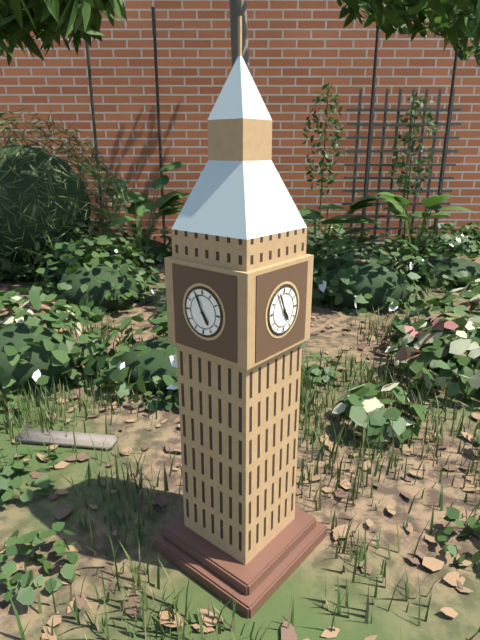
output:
4.56
